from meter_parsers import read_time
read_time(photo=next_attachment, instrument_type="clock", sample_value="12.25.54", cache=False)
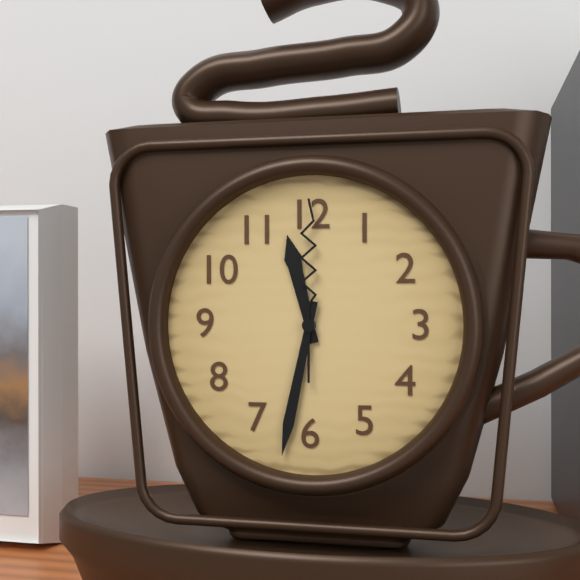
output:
11.32.00
